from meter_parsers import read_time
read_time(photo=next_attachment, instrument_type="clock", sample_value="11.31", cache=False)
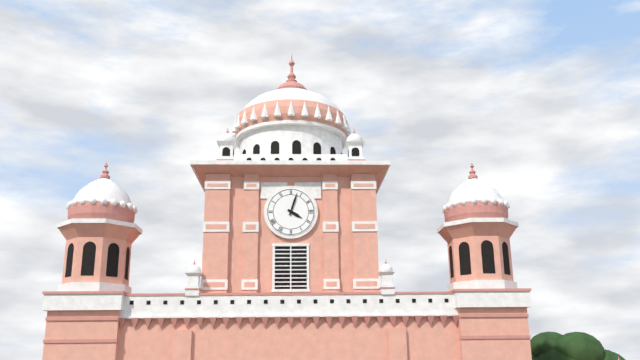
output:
4.03
